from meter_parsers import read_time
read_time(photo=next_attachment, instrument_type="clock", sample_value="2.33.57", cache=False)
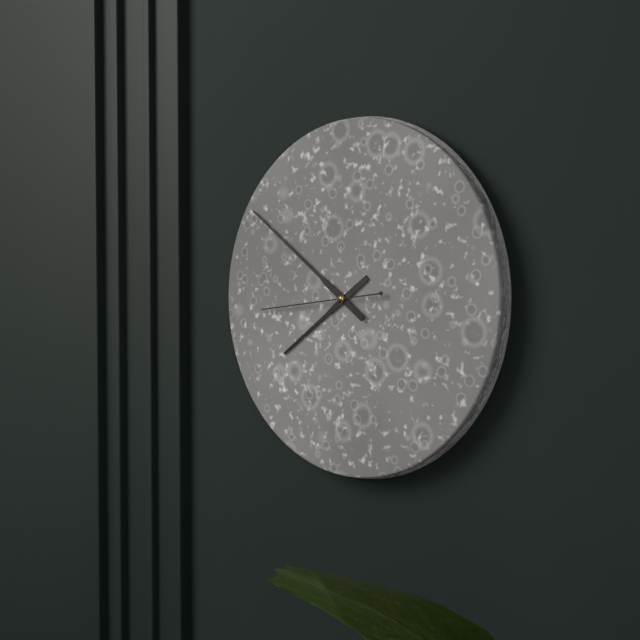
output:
7.51.44
